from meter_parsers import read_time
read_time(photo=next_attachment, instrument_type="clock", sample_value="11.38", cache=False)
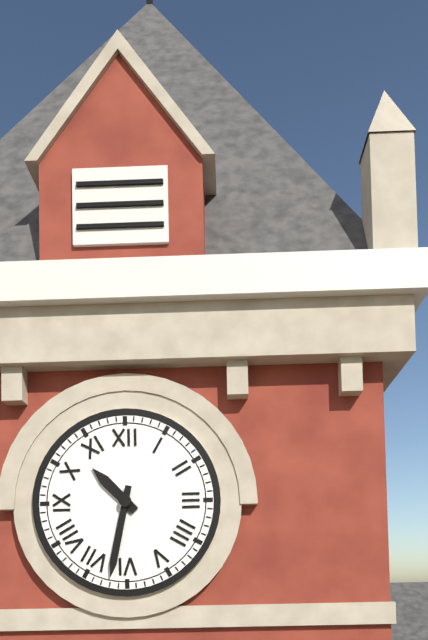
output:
10.32
